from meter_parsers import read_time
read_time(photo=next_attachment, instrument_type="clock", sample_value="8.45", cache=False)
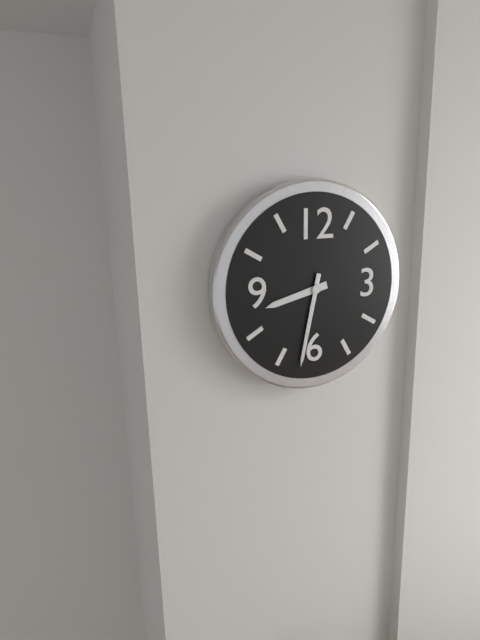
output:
8.32
